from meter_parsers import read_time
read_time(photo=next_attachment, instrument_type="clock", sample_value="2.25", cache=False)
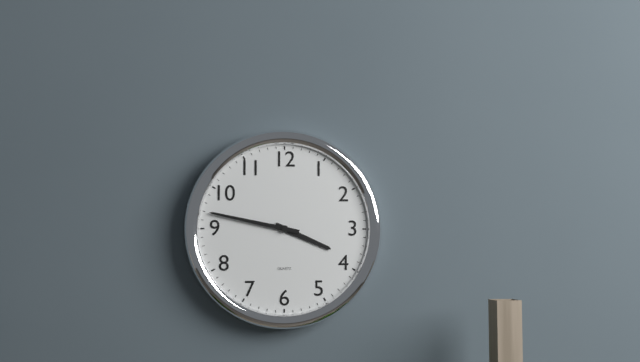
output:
3.47
